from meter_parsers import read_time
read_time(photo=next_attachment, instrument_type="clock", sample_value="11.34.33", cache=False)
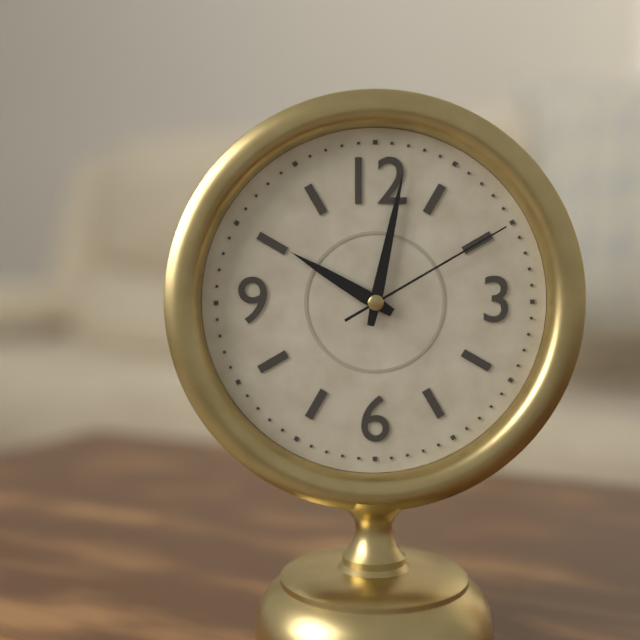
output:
10.02.10
